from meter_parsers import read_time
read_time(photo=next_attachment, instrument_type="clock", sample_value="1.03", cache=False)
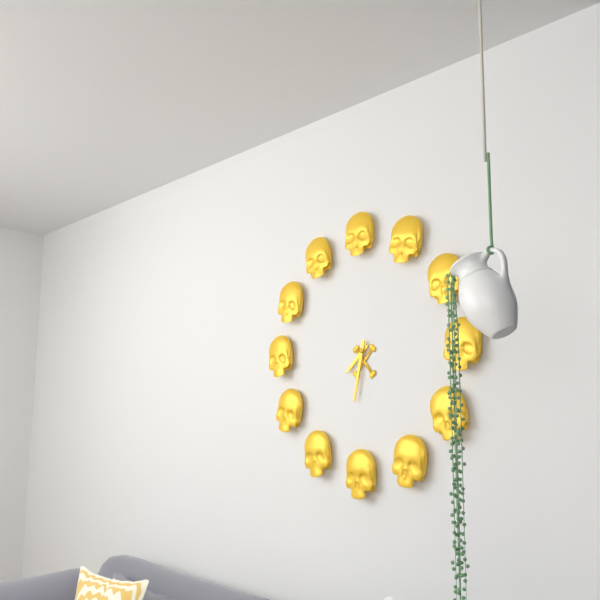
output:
7.32
